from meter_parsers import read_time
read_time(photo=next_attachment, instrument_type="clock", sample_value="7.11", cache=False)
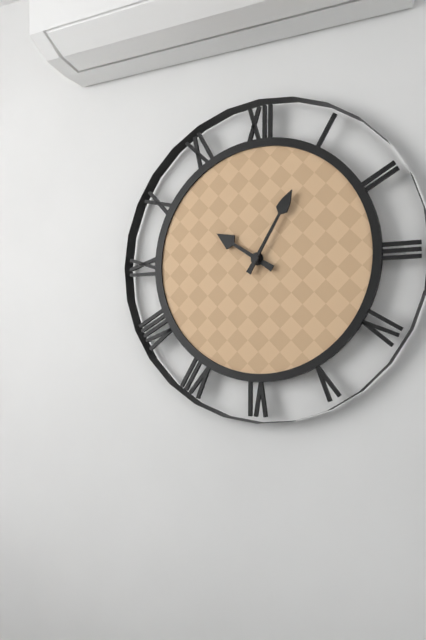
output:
10.05
